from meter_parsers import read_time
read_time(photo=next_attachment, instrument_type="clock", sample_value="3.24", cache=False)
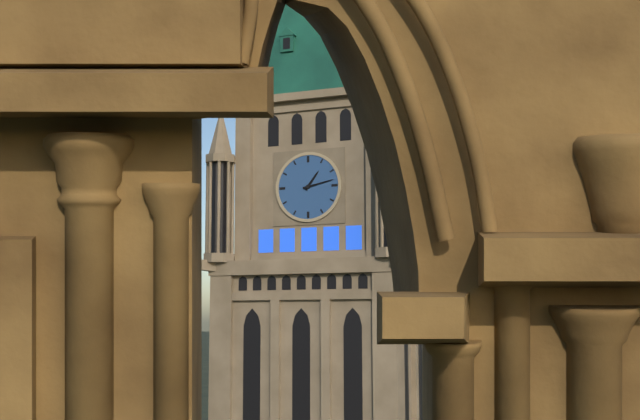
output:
1.13
